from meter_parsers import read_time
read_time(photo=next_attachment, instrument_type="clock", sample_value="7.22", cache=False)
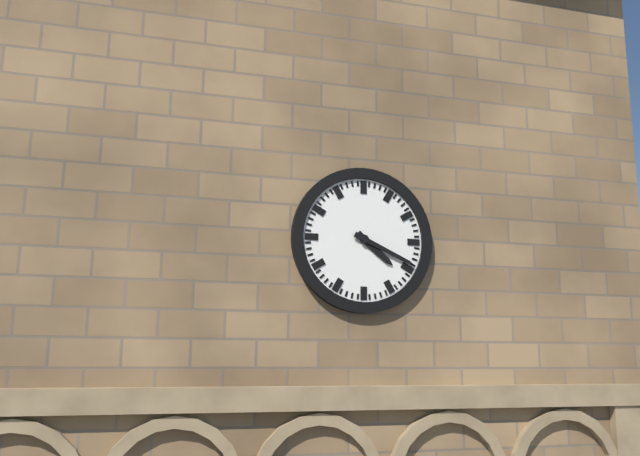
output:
4.19
